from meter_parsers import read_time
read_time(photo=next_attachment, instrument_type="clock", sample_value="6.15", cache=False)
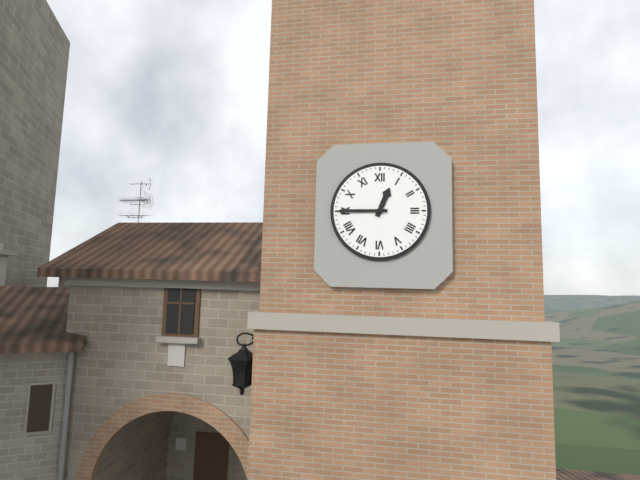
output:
12.45
